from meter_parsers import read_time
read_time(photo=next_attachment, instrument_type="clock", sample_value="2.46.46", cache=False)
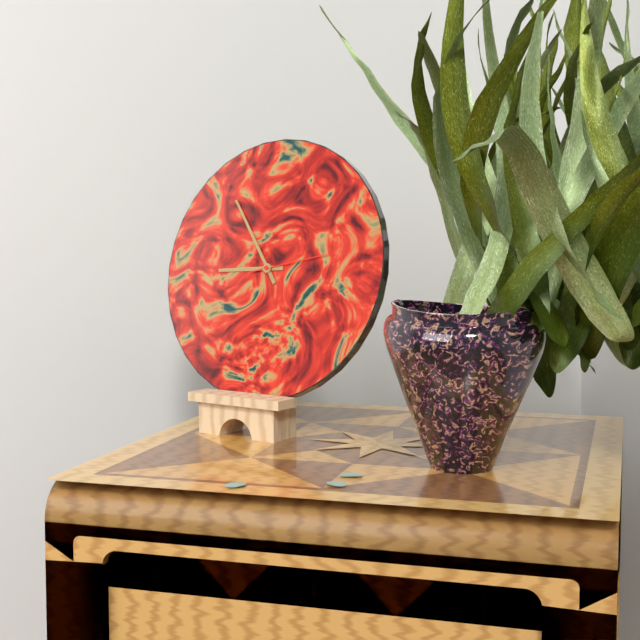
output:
8.54.13
